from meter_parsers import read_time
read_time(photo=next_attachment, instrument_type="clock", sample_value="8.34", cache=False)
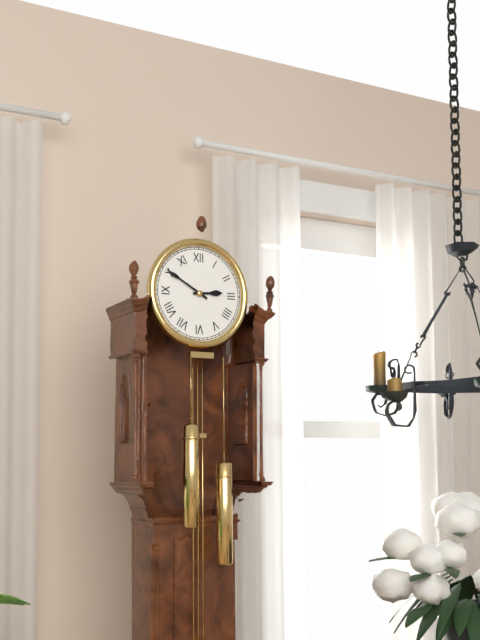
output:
2.50
